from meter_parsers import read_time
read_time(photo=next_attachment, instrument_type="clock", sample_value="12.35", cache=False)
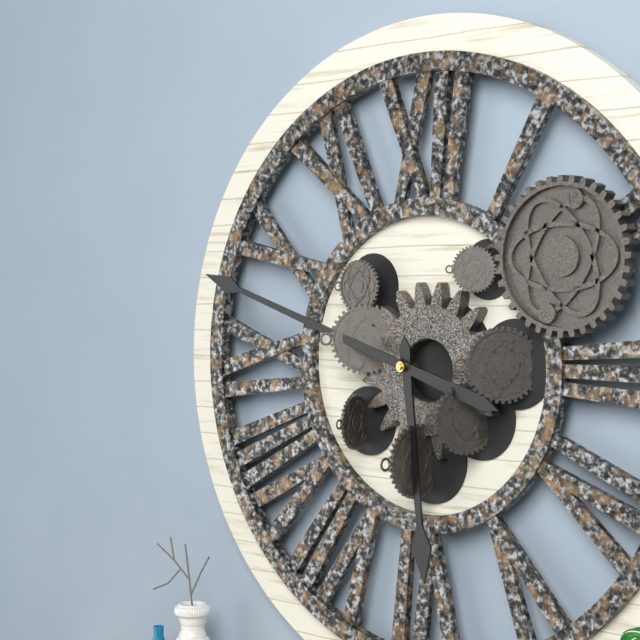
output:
5.48
